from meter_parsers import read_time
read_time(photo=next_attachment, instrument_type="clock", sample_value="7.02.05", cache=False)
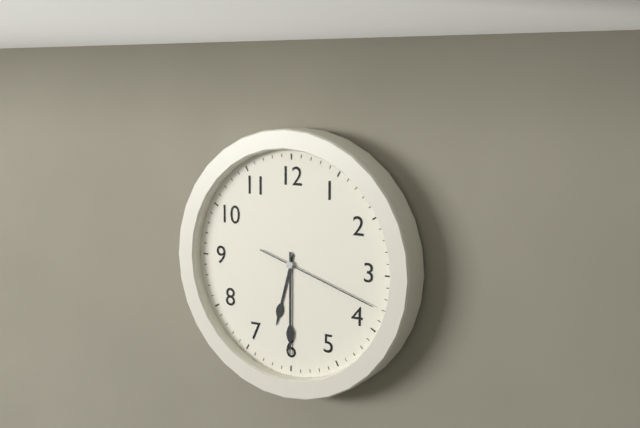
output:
6.30.18
